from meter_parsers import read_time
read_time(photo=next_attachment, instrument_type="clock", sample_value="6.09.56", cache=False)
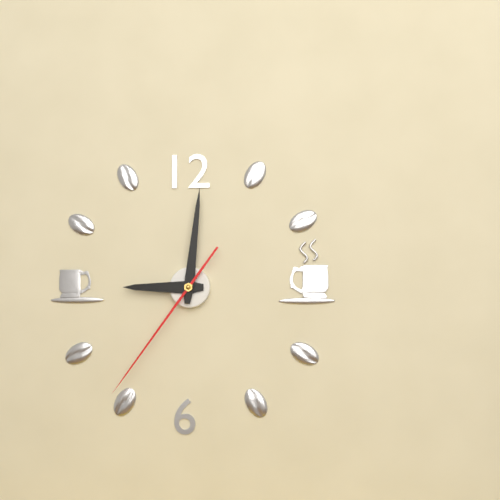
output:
9.01.36
